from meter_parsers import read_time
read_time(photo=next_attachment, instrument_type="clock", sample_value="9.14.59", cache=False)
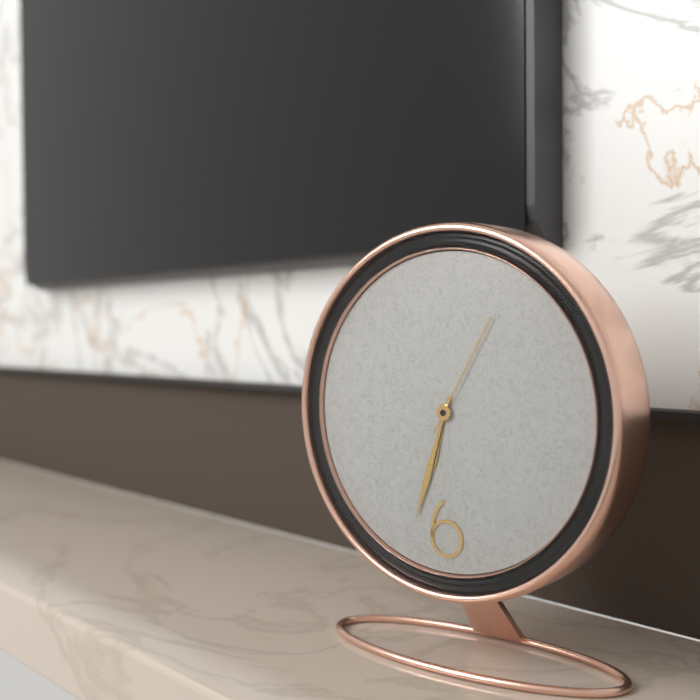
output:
6.33.05
